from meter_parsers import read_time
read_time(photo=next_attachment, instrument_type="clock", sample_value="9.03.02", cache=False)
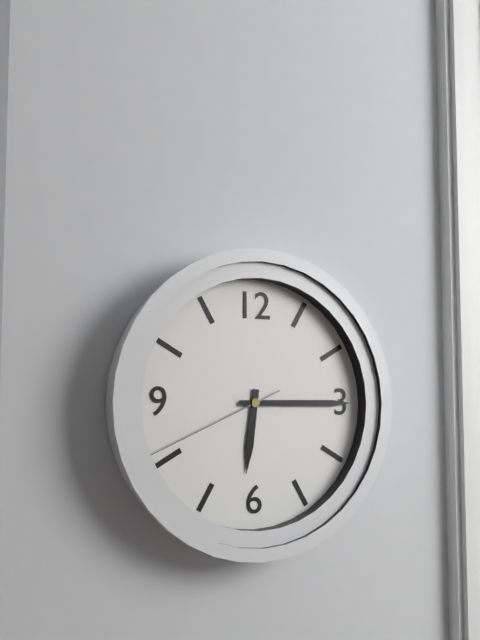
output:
6.15.41
